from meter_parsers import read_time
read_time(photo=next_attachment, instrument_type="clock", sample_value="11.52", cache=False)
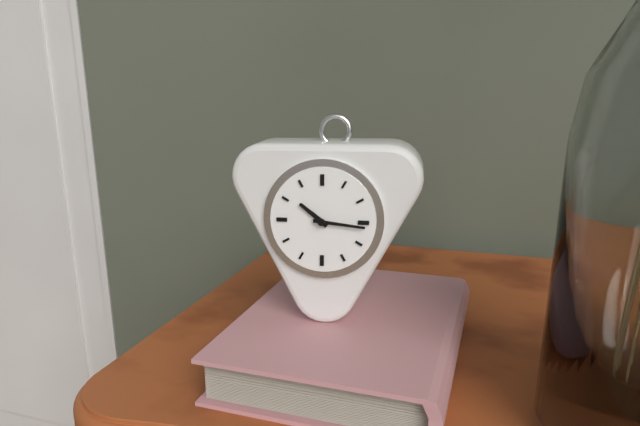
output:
10.16
